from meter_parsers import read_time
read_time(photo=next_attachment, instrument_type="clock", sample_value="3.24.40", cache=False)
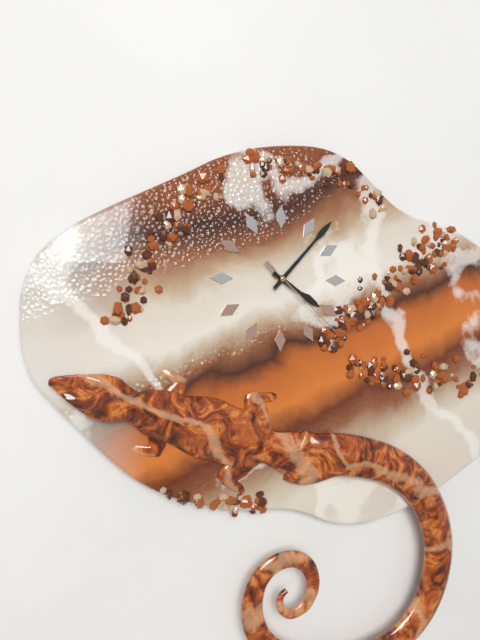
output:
4.07.22
